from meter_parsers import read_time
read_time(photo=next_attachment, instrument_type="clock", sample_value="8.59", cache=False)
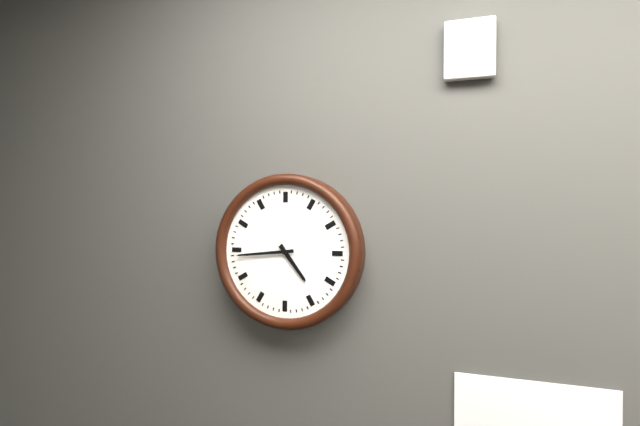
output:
4.44
